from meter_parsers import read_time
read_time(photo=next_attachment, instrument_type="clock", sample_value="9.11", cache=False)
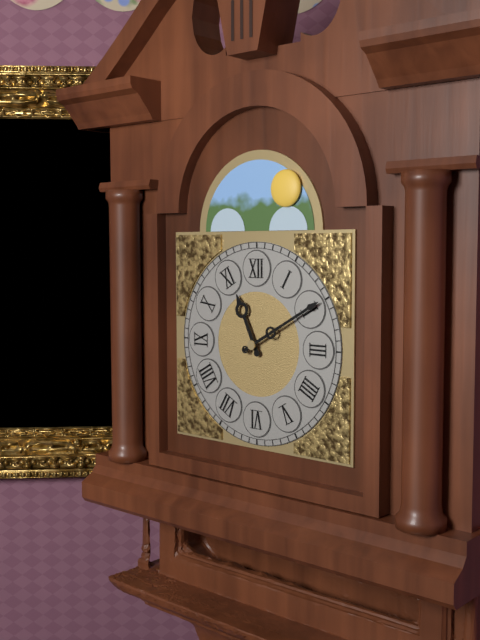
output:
11.10
